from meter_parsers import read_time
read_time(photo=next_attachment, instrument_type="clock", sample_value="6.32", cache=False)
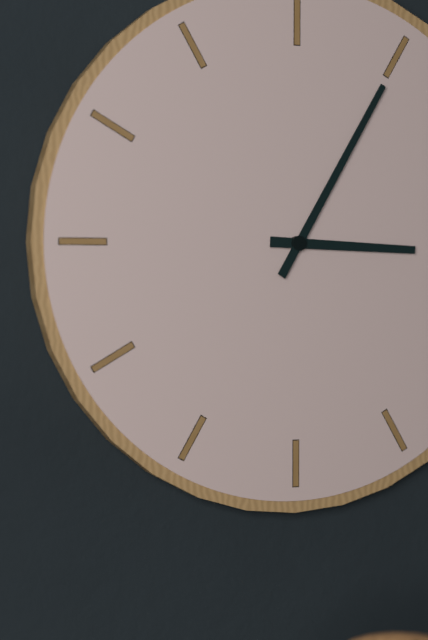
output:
3.05
